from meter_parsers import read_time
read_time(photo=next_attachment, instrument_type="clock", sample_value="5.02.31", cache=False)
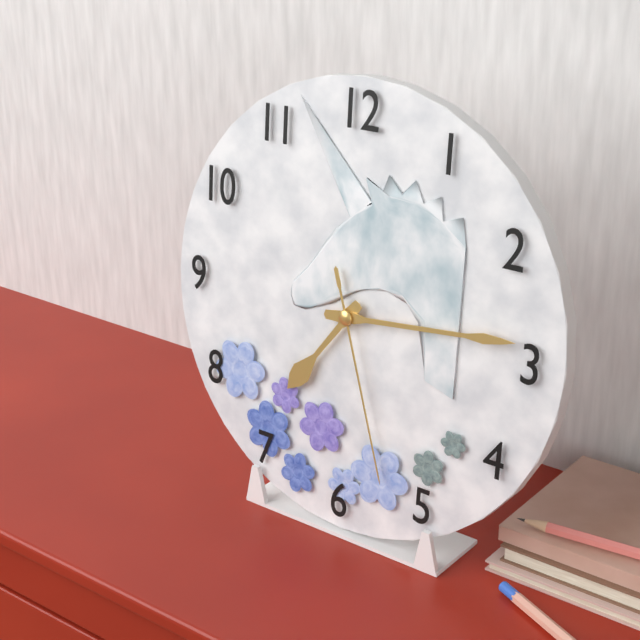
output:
7.14.27
